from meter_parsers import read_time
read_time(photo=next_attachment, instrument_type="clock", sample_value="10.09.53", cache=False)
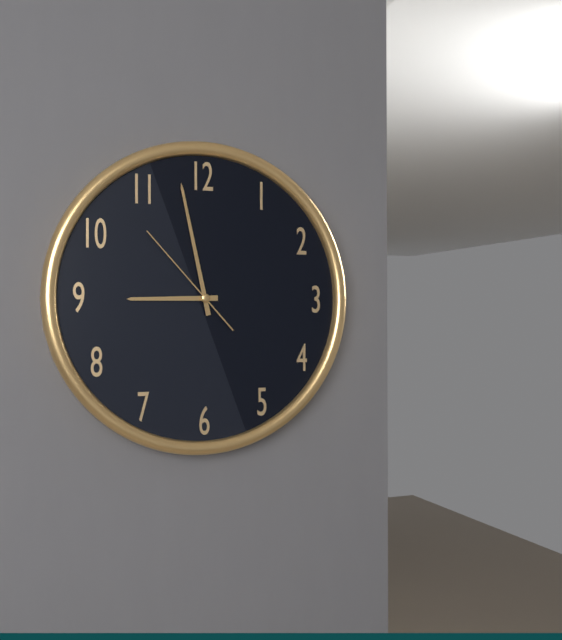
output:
8.58.53
